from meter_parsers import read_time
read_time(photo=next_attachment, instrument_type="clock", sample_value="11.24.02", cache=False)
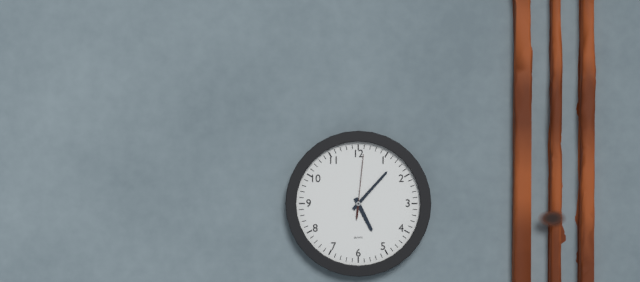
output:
5.07.01
